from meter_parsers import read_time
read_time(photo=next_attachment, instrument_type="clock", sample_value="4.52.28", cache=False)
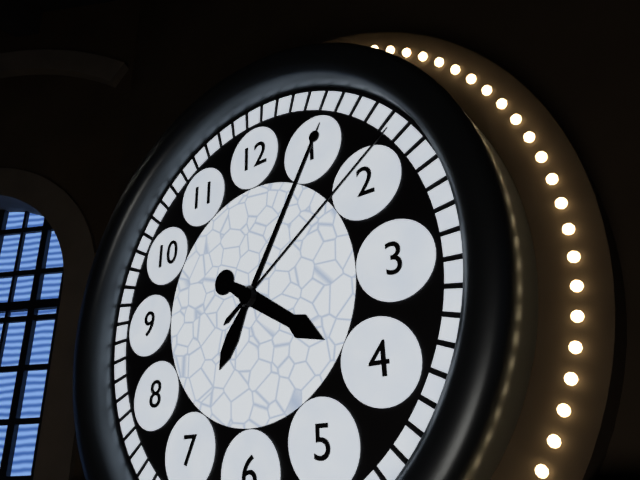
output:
4.05.09
